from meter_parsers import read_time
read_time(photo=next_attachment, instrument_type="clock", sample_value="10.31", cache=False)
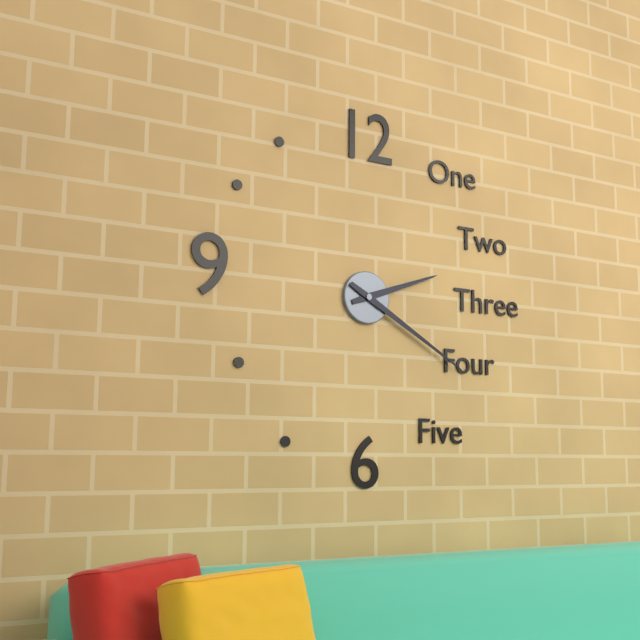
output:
2.20
